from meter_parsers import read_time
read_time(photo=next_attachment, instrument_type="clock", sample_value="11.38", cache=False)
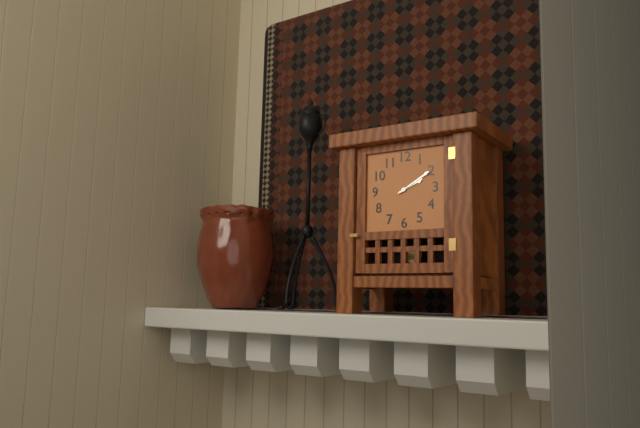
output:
2.10
